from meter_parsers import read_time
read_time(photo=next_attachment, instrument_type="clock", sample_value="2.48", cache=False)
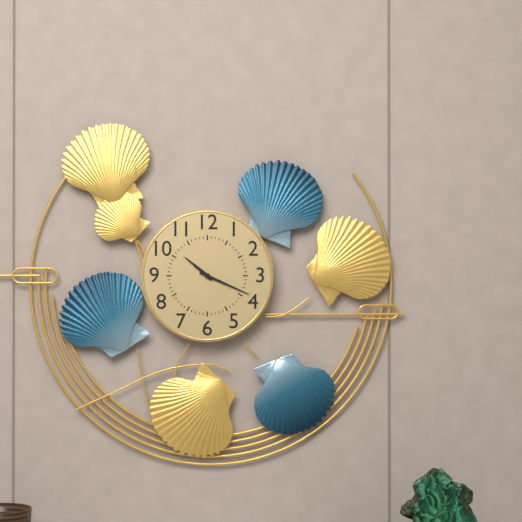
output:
10.19
